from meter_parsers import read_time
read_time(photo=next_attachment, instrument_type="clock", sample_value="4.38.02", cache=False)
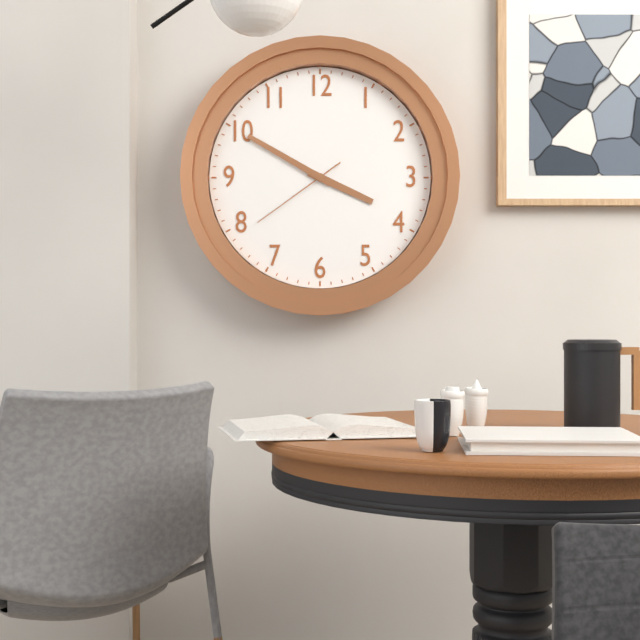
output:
3.50.39
